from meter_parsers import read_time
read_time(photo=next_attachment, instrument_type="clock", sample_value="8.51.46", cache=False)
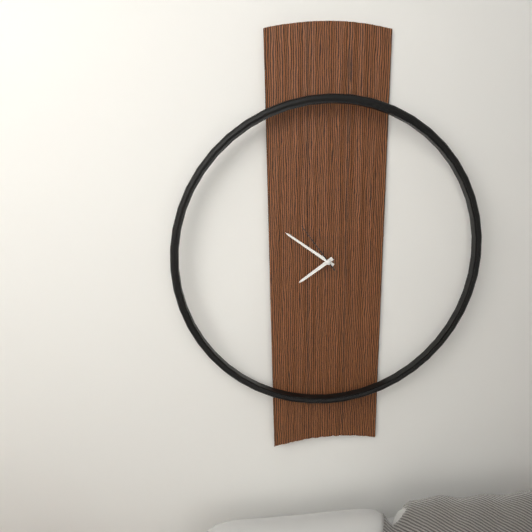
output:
7.51.54
